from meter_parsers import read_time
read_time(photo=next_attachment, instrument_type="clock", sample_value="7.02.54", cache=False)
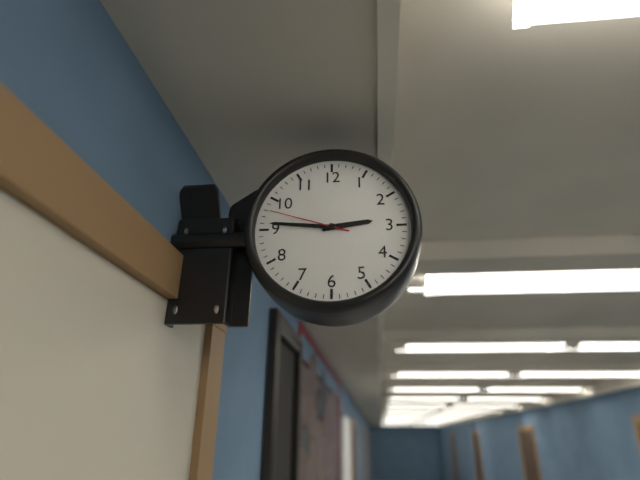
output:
2.46.48
